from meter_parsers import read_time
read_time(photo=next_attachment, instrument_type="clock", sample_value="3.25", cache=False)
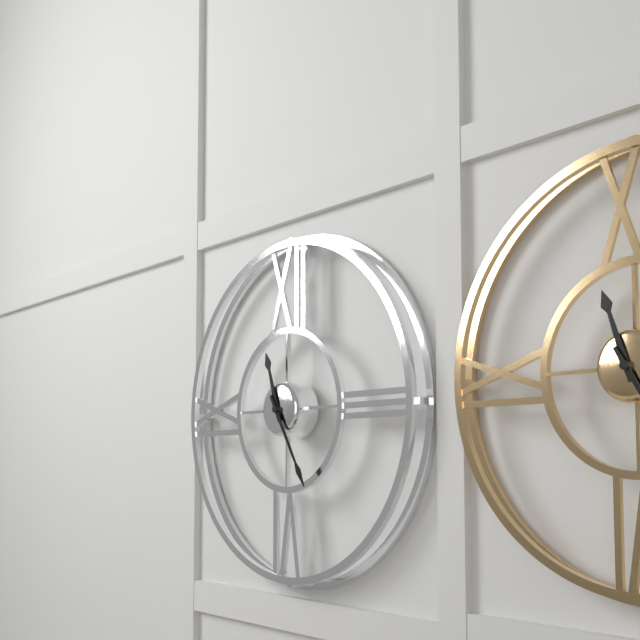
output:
11.25
